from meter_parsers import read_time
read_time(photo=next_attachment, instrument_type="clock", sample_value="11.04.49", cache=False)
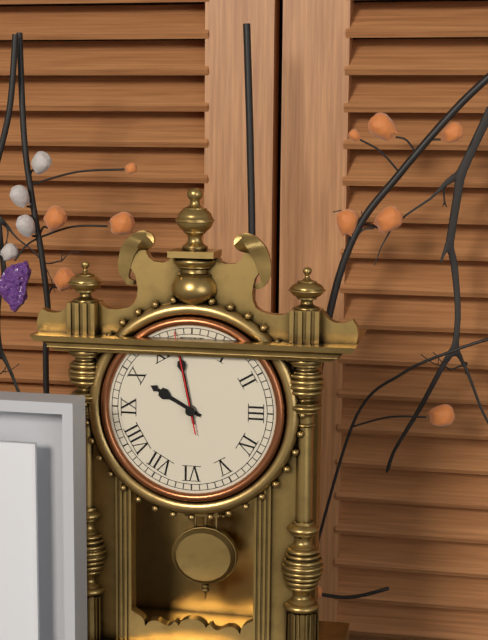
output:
9.58.58
